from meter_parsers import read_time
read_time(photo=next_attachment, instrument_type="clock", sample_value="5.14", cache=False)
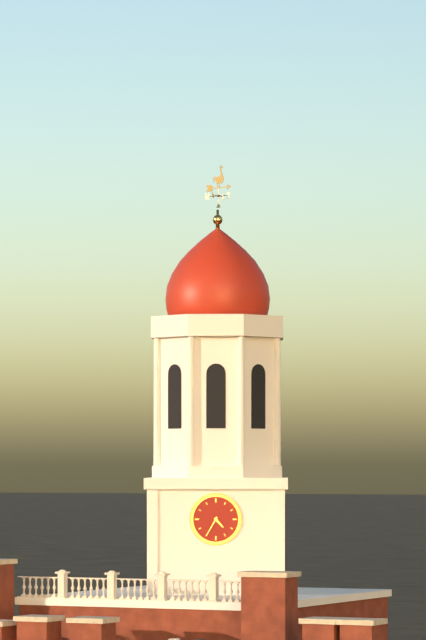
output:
4.35
